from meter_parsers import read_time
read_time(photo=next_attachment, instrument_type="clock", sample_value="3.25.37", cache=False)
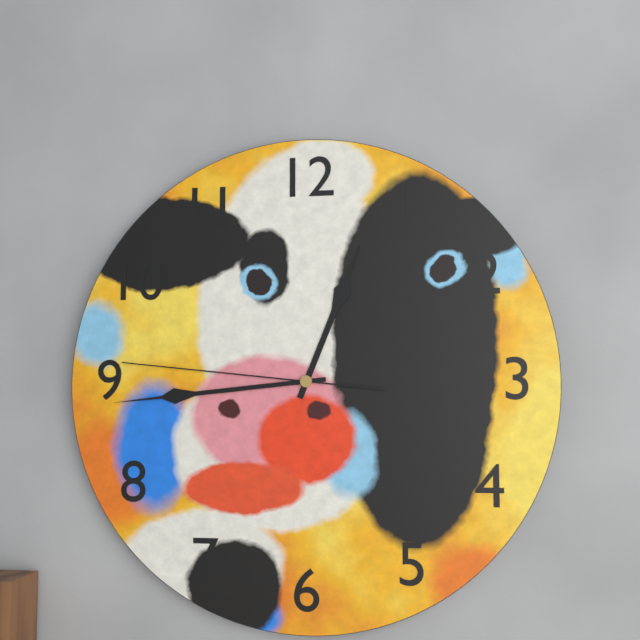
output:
12.44.46
